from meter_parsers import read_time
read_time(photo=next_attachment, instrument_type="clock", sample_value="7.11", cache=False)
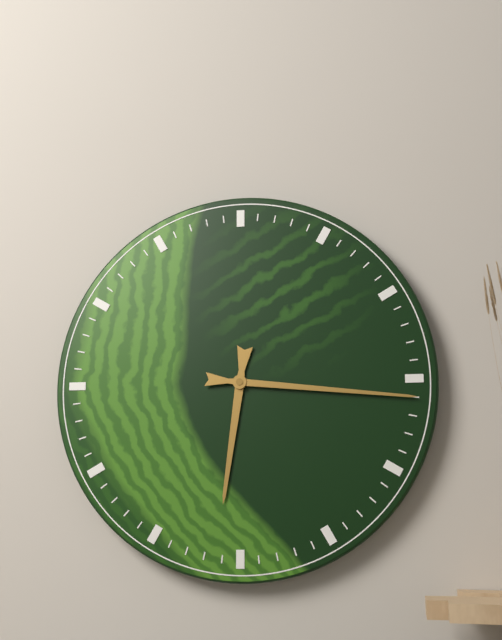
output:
6.16
